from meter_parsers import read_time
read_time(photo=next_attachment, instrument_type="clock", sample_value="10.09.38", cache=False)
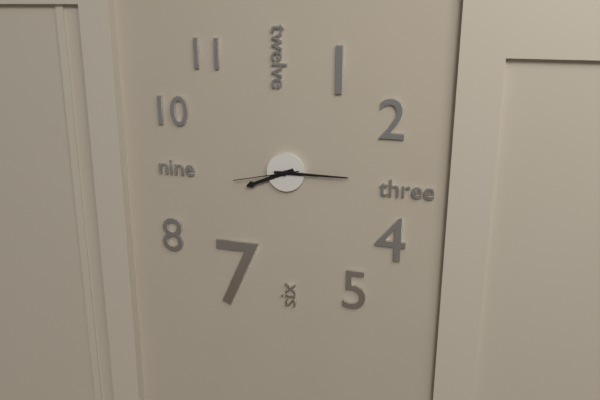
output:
8.15.43
